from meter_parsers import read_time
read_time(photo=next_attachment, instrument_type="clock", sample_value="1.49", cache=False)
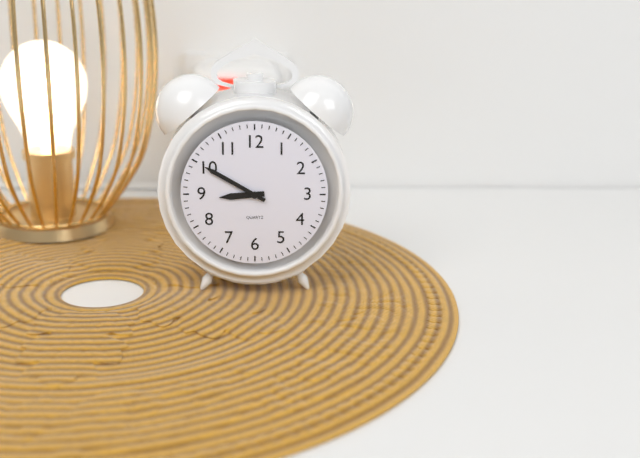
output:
8.50
